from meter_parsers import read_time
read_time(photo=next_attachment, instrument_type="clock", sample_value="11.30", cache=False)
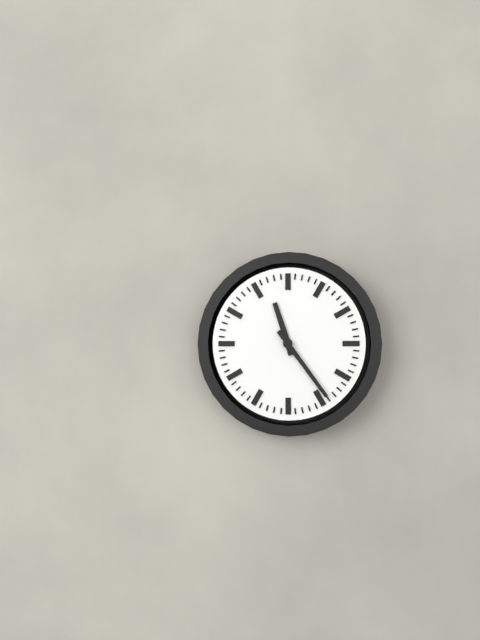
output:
11.24
